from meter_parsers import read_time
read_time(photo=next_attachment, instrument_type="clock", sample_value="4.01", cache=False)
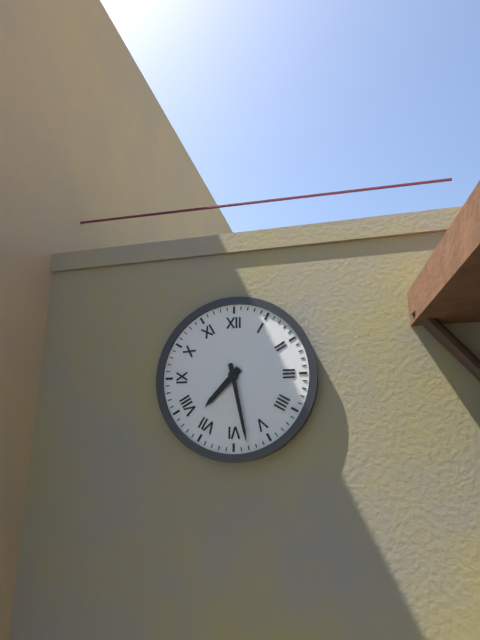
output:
7.28
